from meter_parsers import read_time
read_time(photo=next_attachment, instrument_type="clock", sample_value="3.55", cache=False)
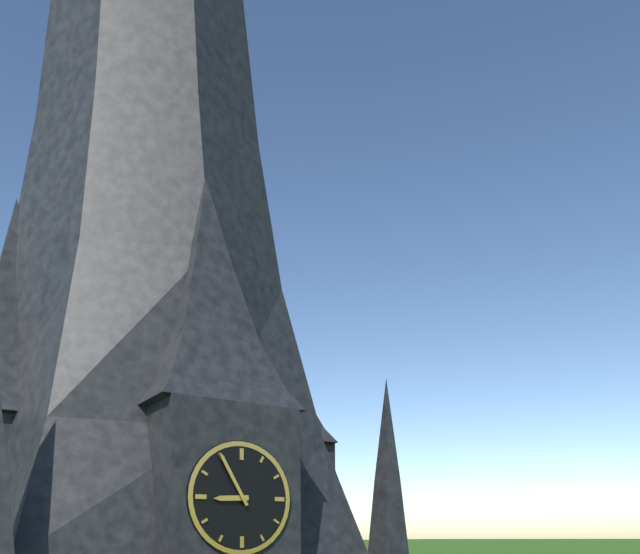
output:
8.55
